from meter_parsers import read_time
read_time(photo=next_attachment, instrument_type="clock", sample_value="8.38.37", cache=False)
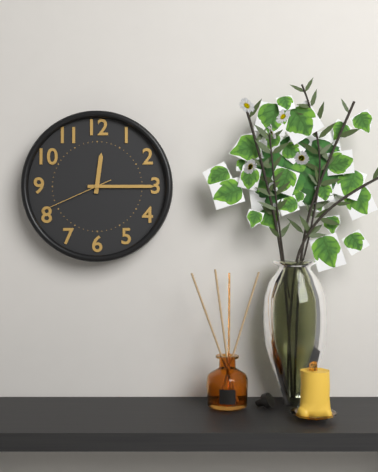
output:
12.15.41
